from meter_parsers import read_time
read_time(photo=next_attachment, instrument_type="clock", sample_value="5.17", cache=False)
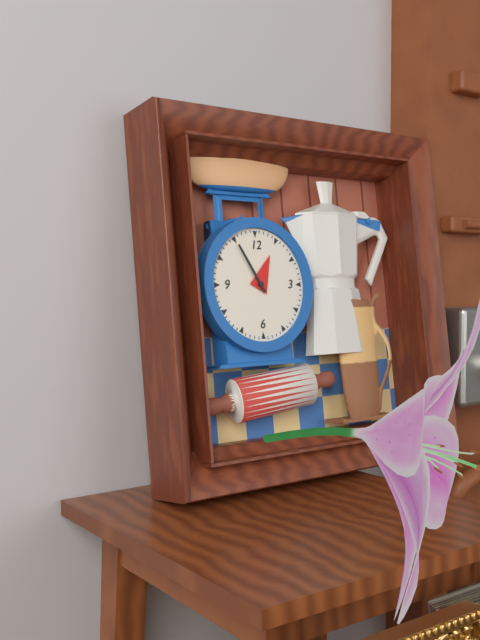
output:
12.55
